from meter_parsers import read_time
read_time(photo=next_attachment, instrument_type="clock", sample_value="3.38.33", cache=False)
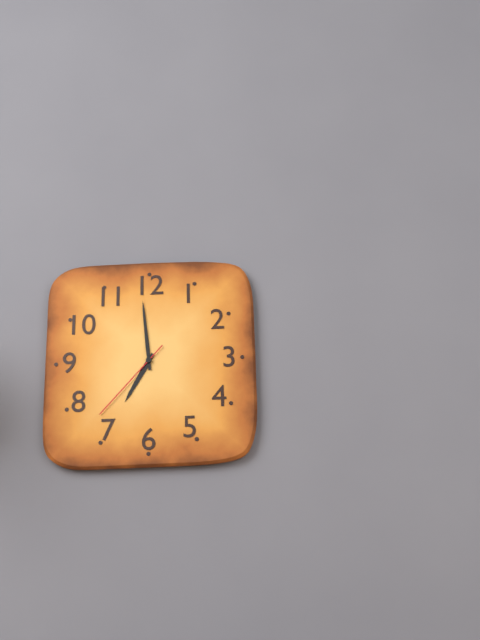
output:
6.59.37
